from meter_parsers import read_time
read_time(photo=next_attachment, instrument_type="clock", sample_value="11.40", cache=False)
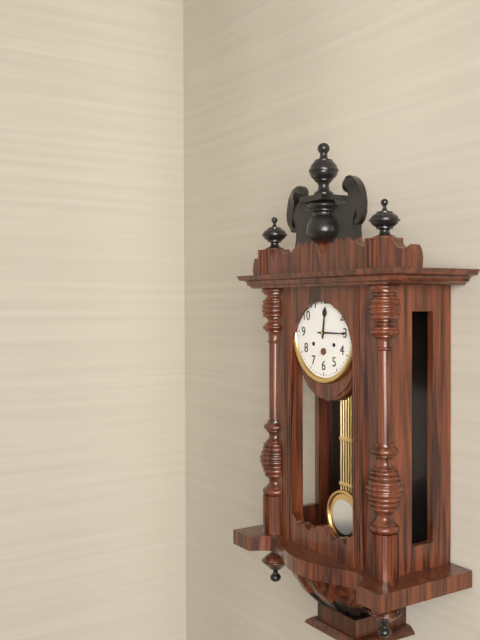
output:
12.15
